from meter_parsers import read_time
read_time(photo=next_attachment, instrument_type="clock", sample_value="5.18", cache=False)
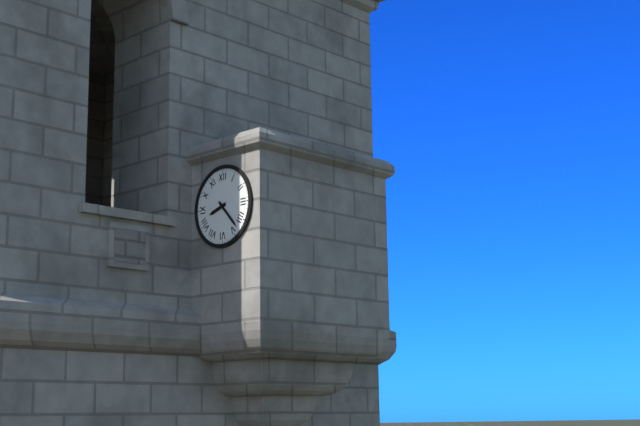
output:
8.23
